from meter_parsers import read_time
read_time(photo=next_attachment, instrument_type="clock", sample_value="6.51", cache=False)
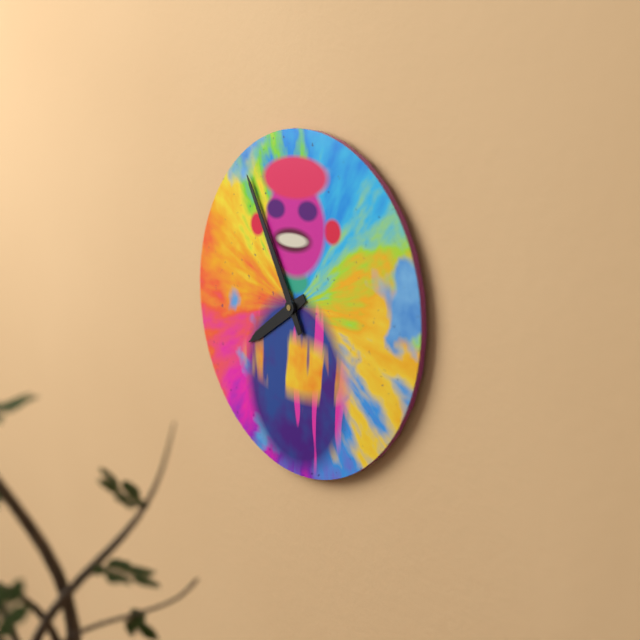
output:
7.55
